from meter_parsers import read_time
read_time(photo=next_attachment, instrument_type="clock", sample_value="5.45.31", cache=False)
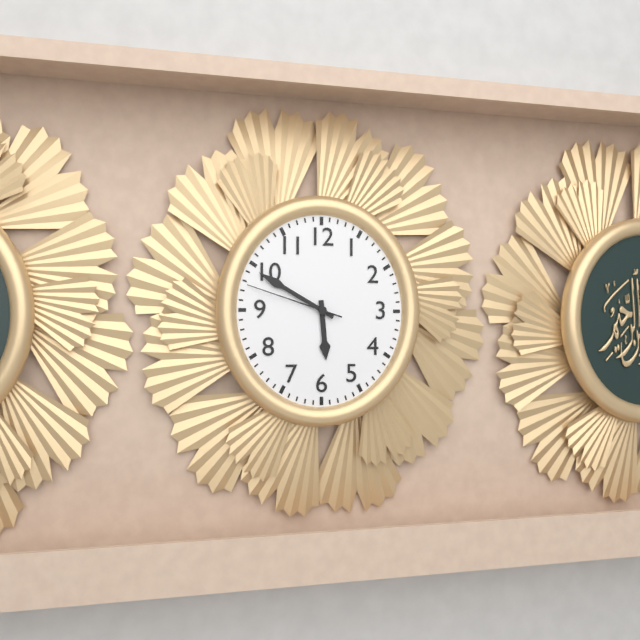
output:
5.50.48
